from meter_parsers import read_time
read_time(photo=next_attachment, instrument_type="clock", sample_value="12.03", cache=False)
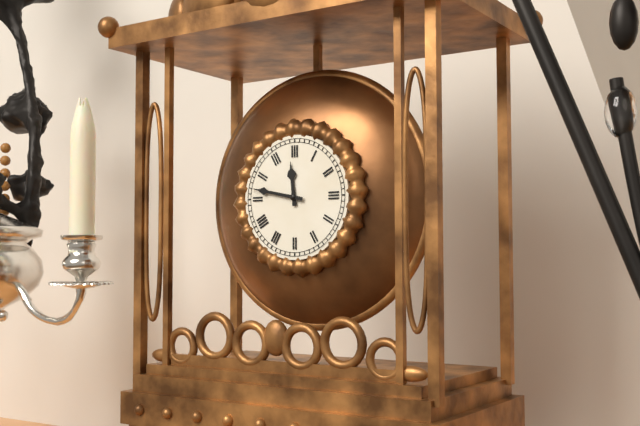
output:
11.47
